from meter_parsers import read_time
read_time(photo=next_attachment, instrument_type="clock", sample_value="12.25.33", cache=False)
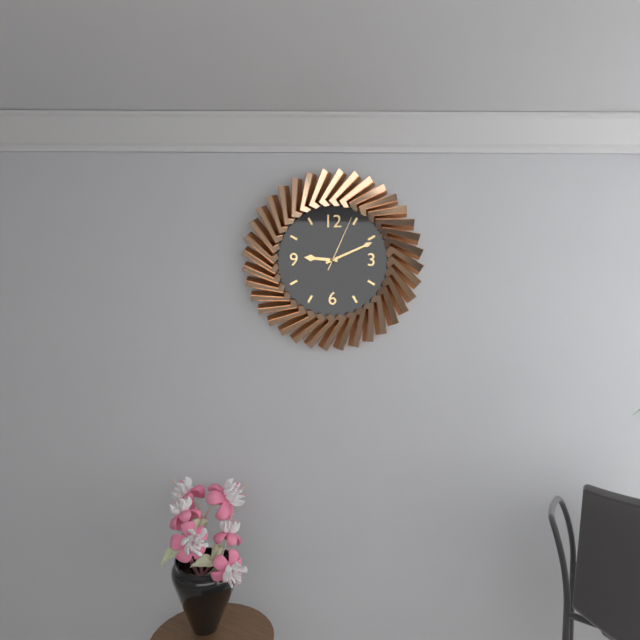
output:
9.11.04
